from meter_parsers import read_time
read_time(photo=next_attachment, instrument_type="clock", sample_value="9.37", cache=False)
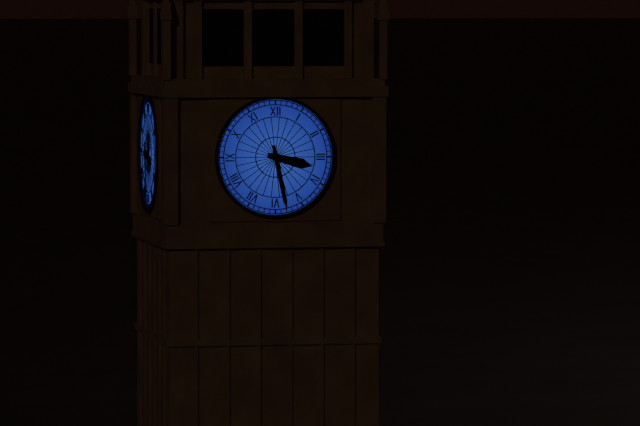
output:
3.28
